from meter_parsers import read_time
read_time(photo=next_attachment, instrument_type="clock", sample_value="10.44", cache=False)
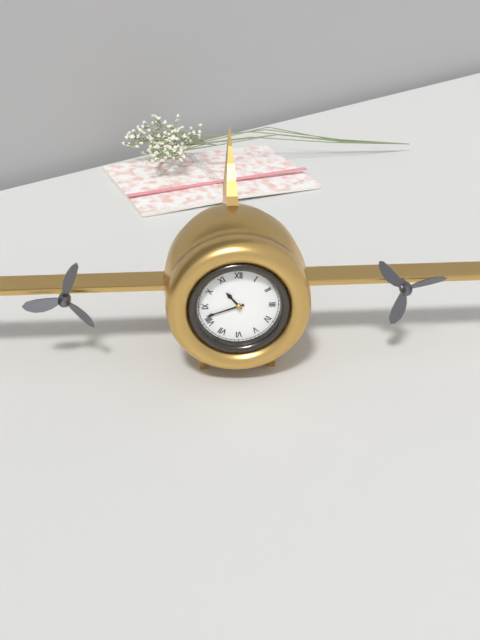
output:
10.42
